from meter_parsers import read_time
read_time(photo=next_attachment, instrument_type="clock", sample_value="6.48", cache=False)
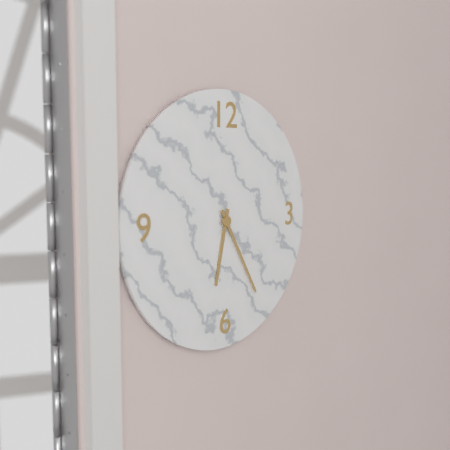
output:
6.25
